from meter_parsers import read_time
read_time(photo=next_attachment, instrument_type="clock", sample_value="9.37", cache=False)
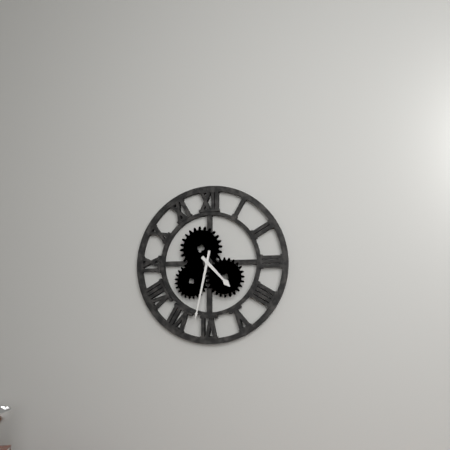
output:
4.32
